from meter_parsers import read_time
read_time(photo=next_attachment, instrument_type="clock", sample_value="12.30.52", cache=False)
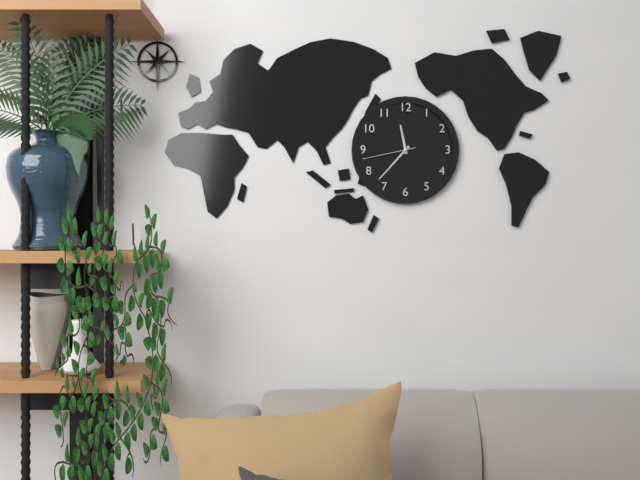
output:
11.37.43
